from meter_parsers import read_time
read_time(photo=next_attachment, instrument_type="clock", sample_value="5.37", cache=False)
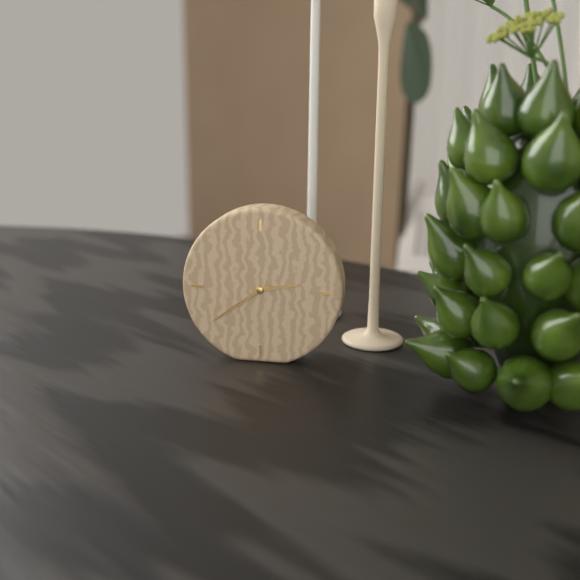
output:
2.39
